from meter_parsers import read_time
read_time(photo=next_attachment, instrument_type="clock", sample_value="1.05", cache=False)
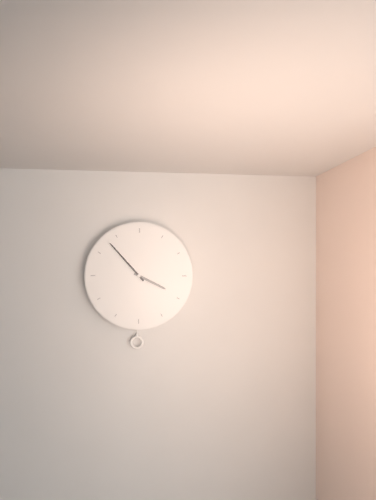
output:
3.53
